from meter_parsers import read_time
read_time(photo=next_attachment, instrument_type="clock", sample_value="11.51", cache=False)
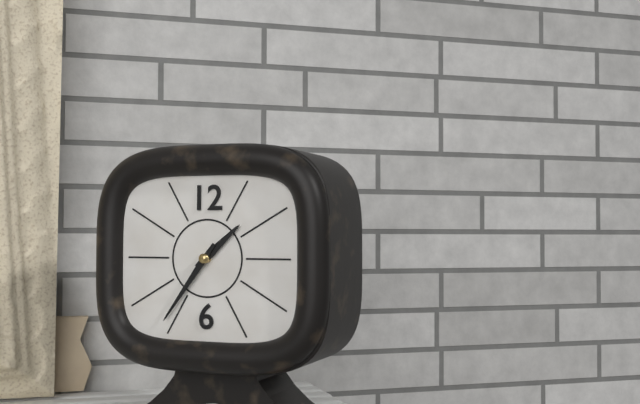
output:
1.36
